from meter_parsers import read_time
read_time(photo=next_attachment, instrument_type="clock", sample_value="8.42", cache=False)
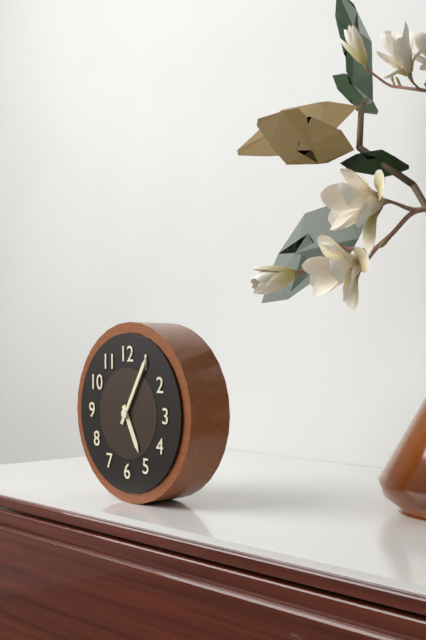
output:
5.05
